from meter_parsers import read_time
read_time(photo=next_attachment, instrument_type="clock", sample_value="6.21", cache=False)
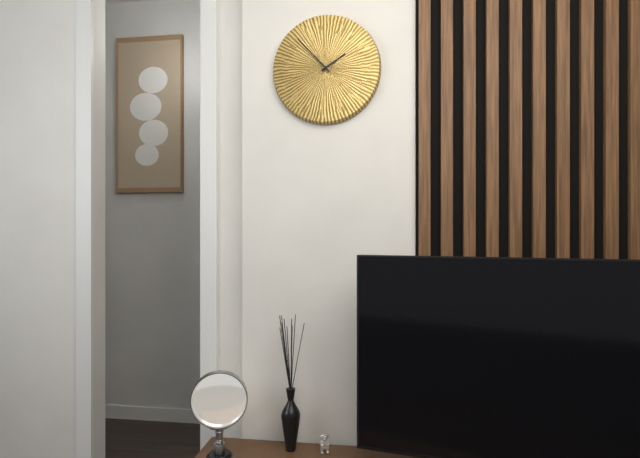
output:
1.53
